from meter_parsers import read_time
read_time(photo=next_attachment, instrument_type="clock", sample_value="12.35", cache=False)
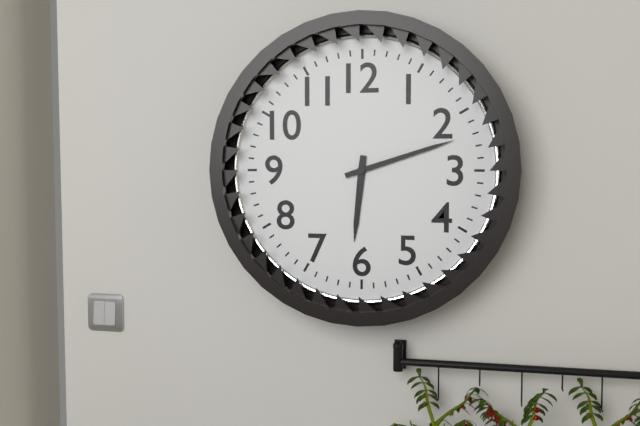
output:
6.12
